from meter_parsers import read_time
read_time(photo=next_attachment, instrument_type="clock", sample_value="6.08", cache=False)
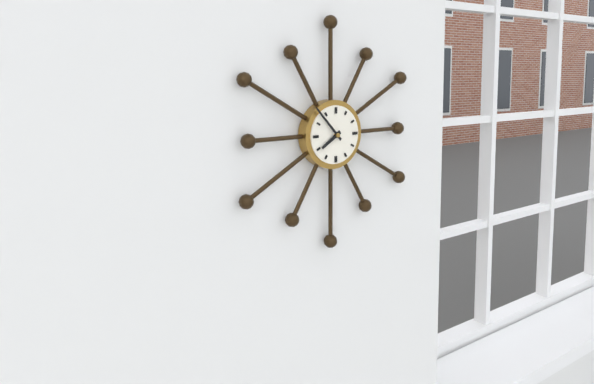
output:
7.53
